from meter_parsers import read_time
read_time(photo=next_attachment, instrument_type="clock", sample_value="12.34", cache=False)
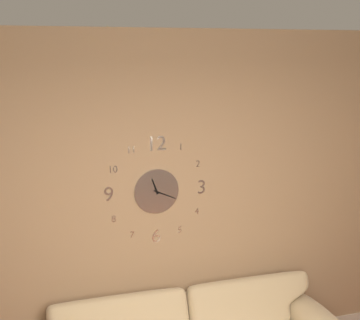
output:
11.19
